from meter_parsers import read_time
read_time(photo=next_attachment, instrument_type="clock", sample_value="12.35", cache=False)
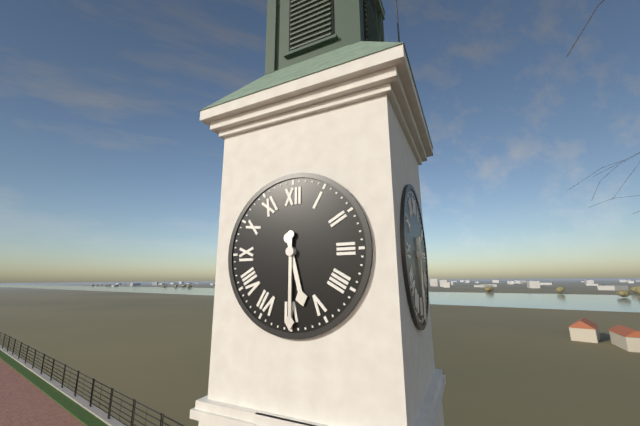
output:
5.30
